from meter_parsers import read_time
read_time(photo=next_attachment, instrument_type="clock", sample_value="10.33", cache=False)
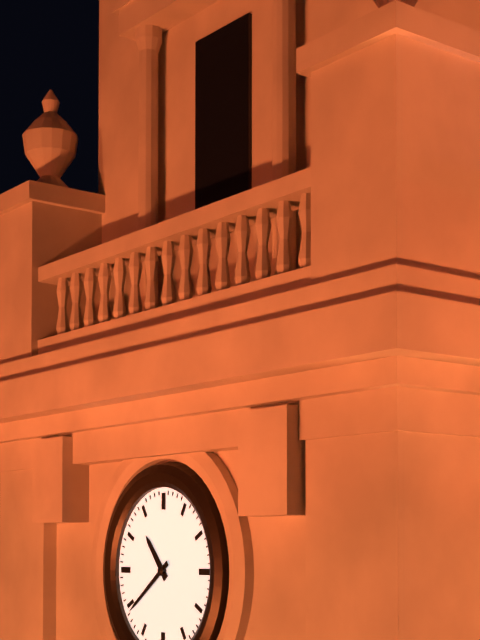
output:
10.39
